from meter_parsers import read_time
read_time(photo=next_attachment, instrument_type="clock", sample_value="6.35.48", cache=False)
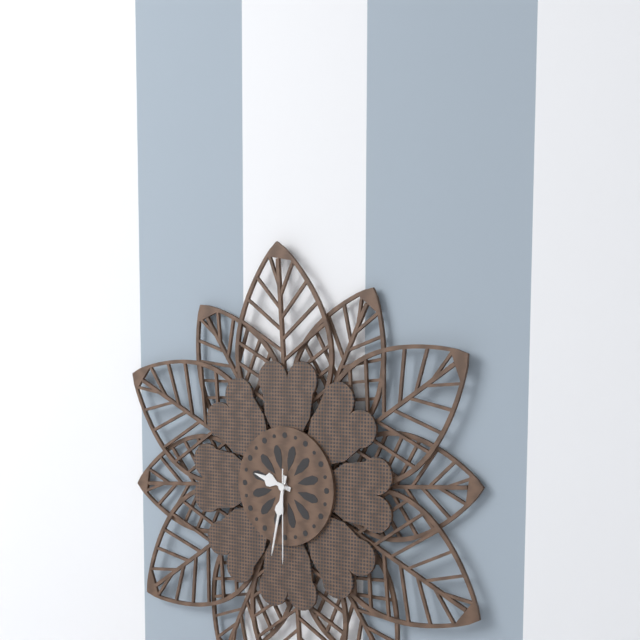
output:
9.32.30
